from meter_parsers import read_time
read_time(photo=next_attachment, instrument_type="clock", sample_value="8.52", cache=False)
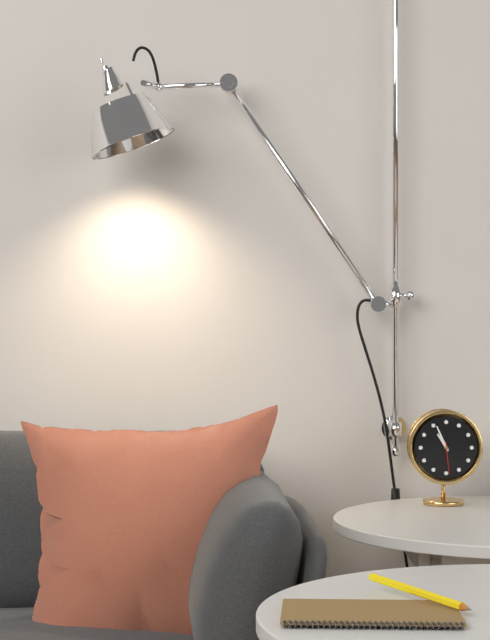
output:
10.56
